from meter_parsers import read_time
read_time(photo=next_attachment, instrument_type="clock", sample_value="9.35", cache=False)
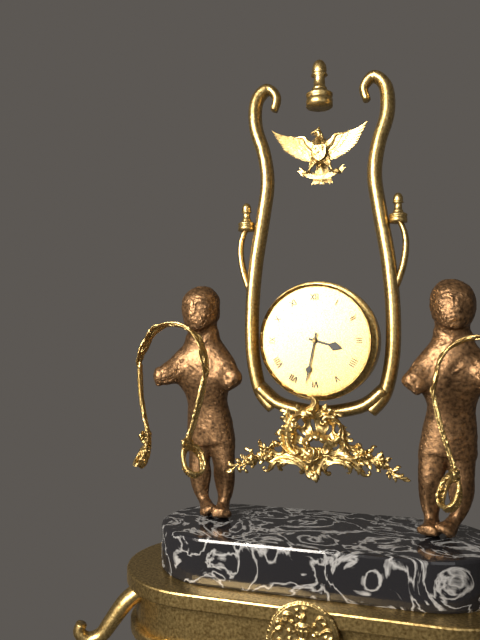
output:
3.32
